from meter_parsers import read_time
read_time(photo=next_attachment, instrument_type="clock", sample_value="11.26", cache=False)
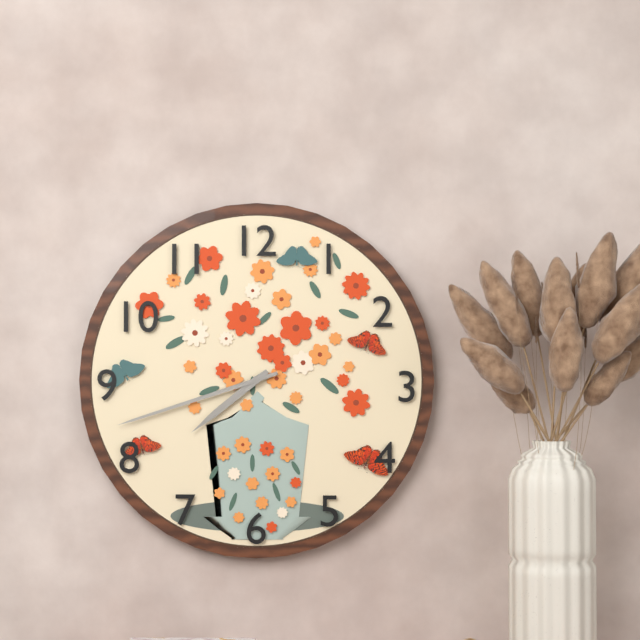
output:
7.42
